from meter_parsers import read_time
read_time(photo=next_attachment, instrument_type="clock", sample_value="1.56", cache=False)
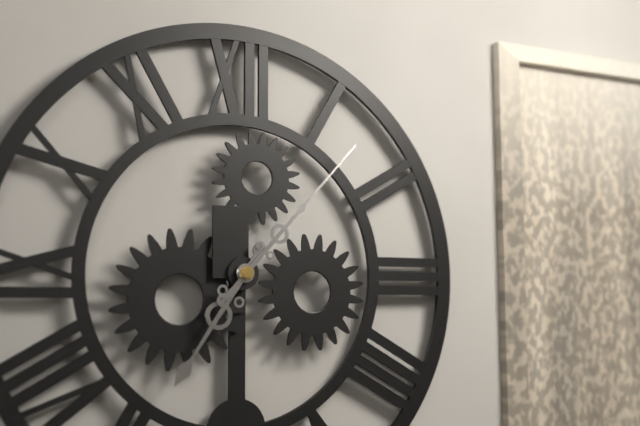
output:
7.07
